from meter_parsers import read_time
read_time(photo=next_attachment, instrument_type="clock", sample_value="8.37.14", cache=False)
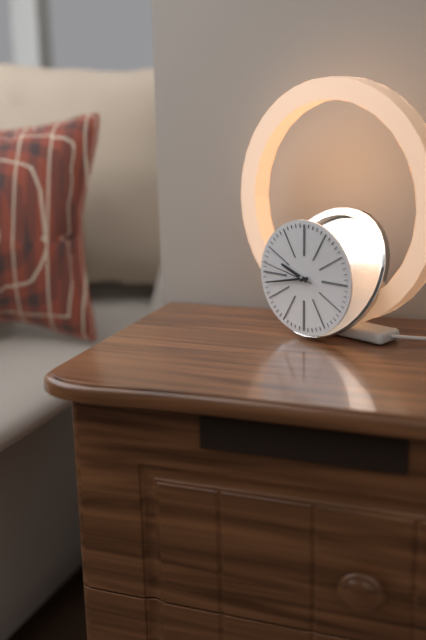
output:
9.43.47
